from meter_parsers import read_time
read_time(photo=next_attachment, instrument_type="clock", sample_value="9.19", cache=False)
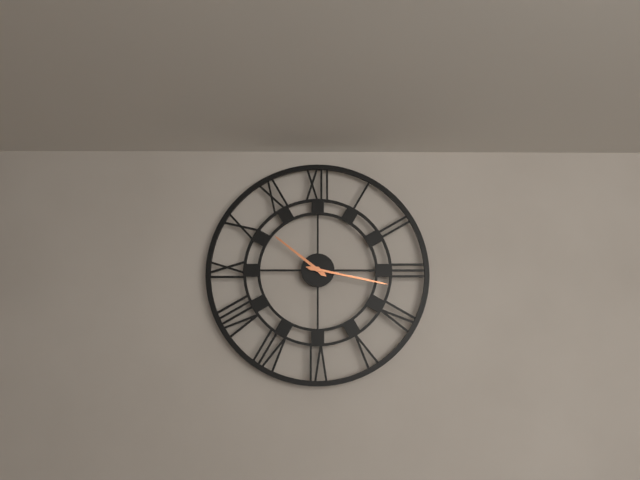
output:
10.17
